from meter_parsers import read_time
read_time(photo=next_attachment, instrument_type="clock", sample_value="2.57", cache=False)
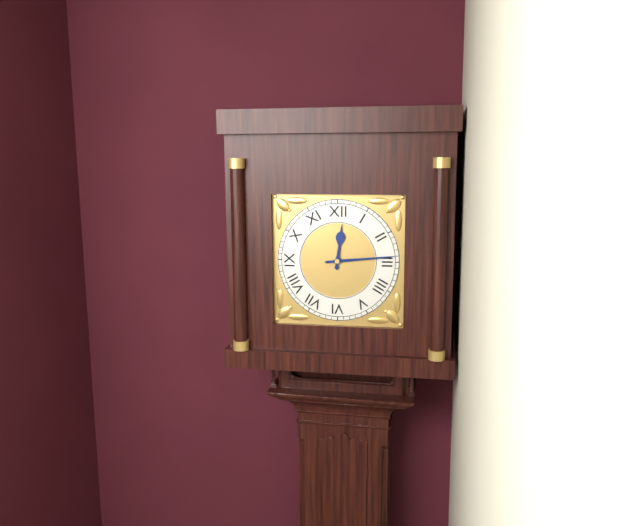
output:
12.14
